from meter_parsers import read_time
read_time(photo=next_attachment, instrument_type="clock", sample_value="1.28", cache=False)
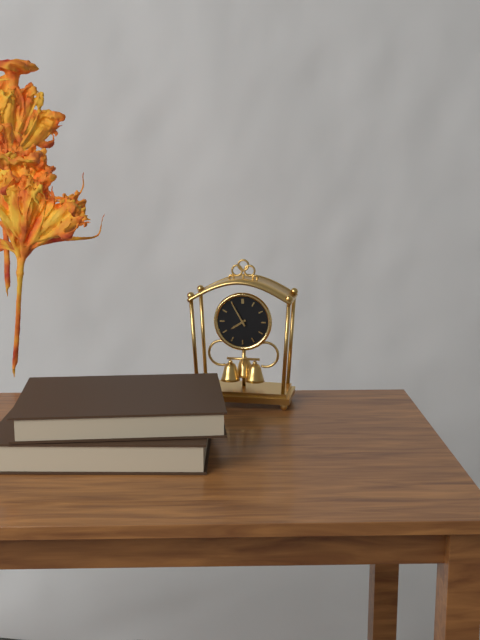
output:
7.55
